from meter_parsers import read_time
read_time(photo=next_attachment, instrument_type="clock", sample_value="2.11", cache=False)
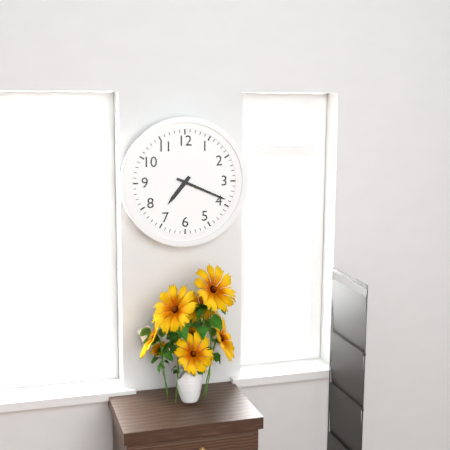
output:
7.19
